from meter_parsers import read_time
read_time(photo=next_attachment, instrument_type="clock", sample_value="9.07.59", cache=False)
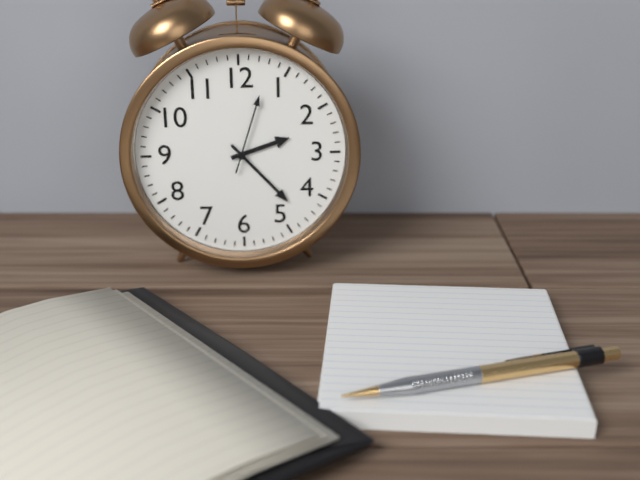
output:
2.23.03
